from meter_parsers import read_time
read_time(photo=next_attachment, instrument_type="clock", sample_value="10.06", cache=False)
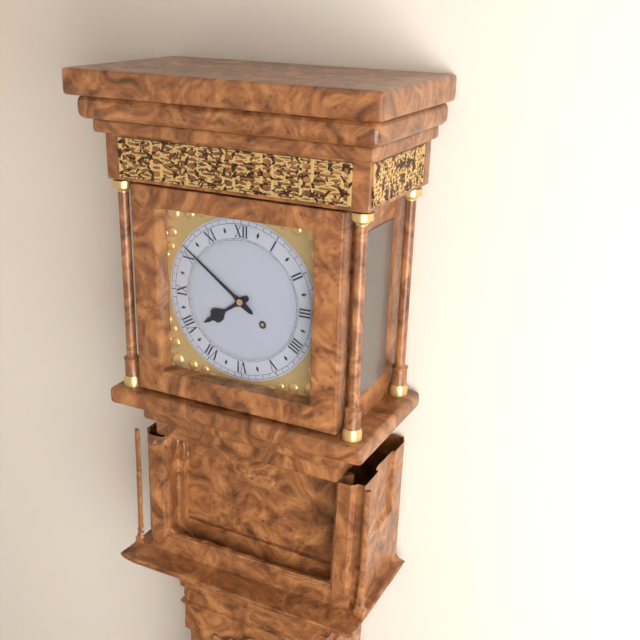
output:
7.51
